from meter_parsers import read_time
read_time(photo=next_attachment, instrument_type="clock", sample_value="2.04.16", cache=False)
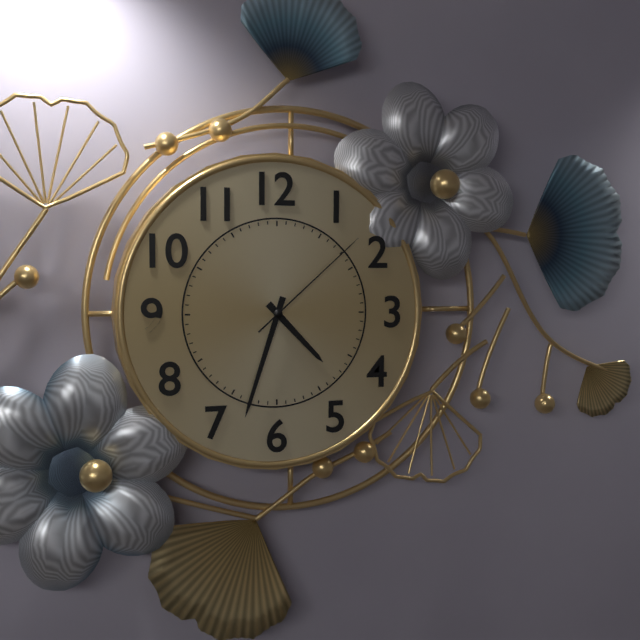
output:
4.33.08
